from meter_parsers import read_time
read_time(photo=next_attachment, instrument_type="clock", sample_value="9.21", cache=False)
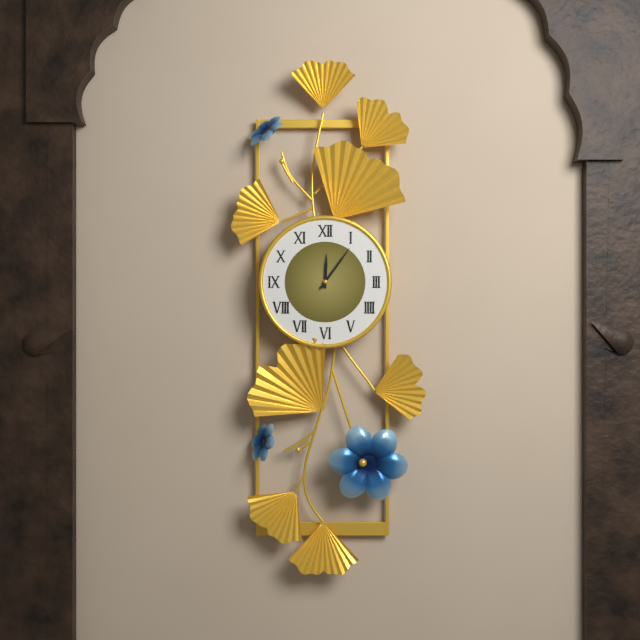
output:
12.06
